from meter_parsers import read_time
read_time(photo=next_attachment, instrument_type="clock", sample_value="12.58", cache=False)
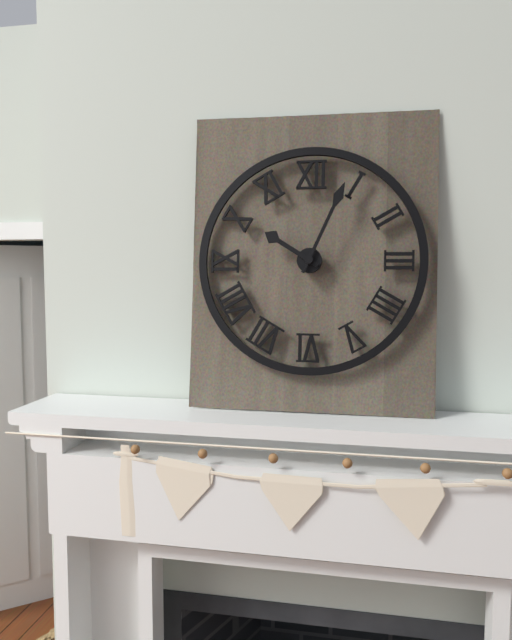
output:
10.04
